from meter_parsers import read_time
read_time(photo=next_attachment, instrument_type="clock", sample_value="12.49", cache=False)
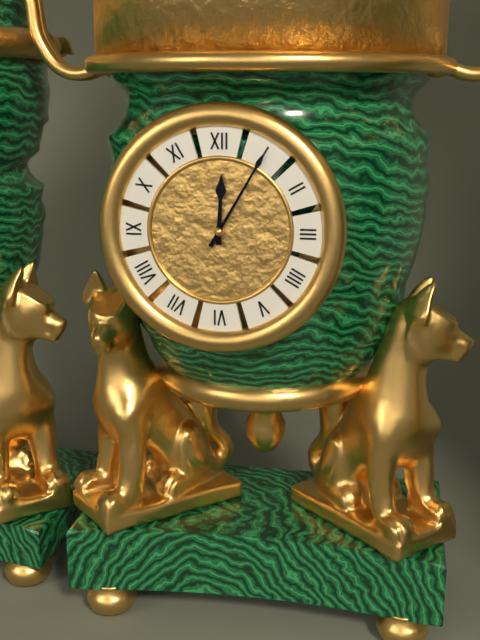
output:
12.05
